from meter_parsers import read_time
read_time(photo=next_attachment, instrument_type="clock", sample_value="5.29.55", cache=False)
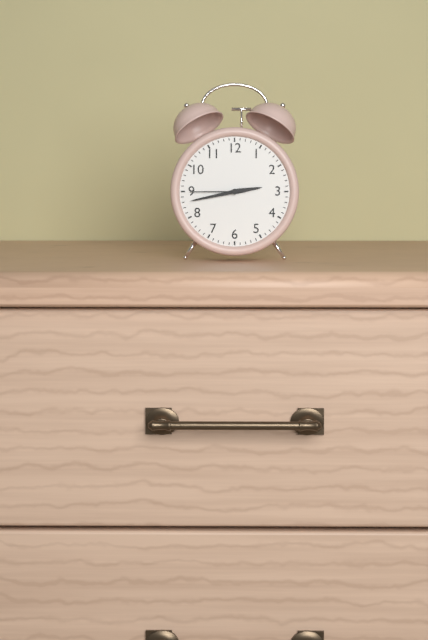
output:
2.43.45
